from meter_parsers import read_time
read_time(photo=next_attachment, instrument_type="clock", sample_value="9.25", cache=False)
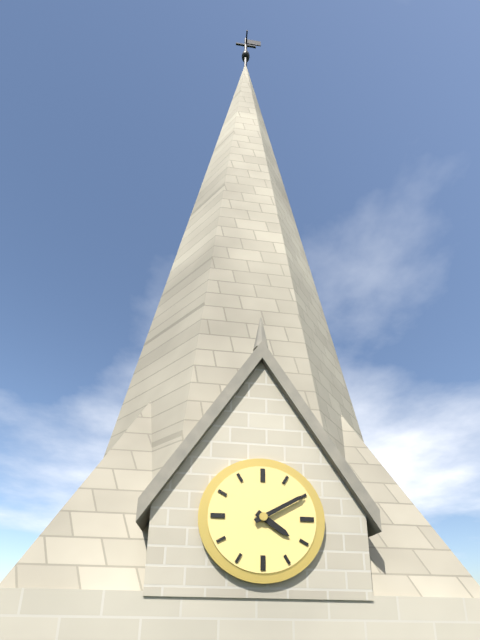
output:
4.10
